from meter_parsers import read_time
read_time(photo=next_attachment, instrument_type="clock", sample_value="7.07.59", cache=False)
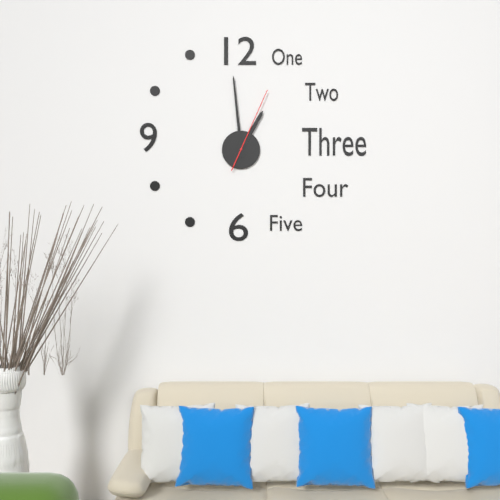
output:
12.59.04
